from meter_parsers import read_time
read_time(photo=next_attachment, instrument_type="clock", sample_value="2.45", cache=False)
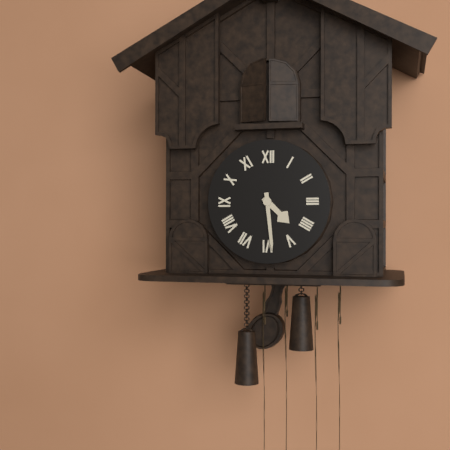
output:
4.29
